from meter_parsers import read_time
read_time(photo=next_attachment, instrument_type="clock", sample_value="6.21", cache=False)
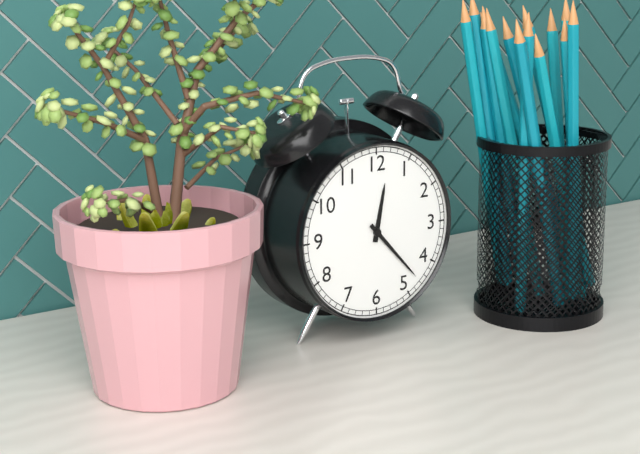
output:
12.23
